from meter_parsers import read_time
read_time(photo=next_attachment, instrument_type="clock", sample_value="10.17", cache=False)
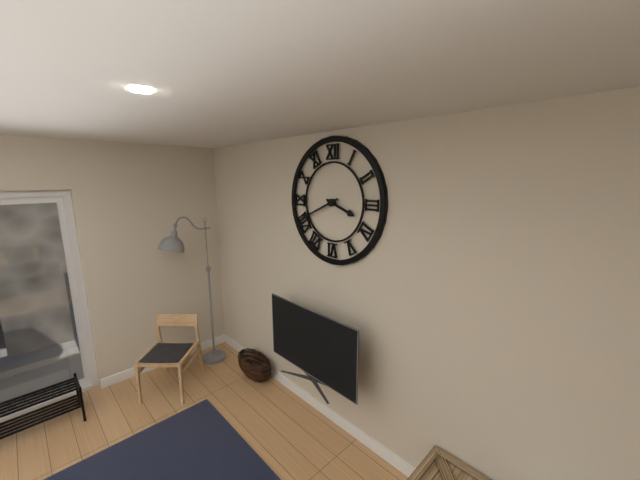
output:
3.41
